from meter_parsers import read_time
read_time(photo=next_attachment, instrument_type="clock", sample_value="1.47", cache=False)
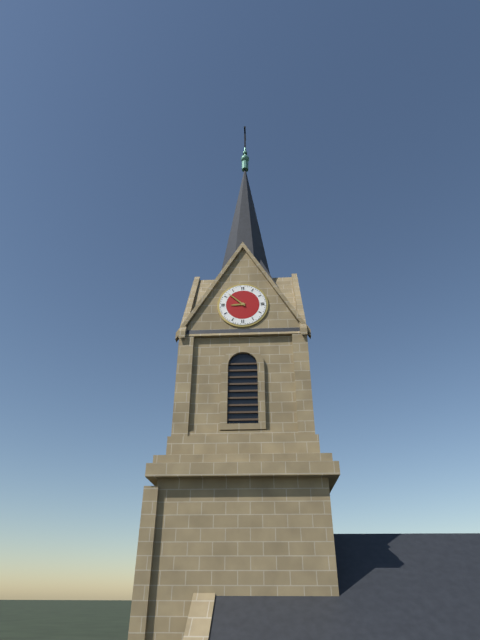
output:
8.52
